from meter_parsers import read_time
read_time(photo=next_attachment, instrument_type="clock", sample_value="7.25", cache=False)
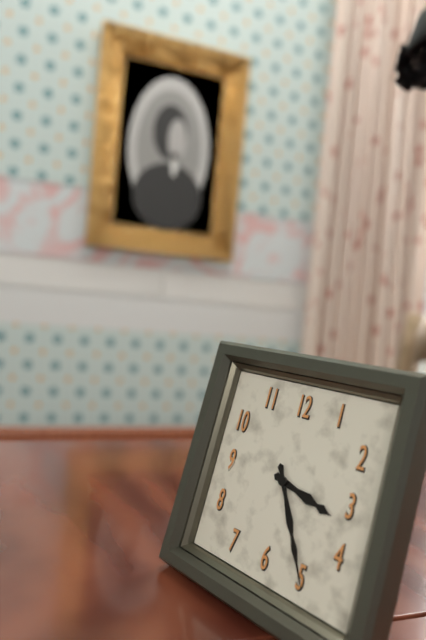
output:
3.25
